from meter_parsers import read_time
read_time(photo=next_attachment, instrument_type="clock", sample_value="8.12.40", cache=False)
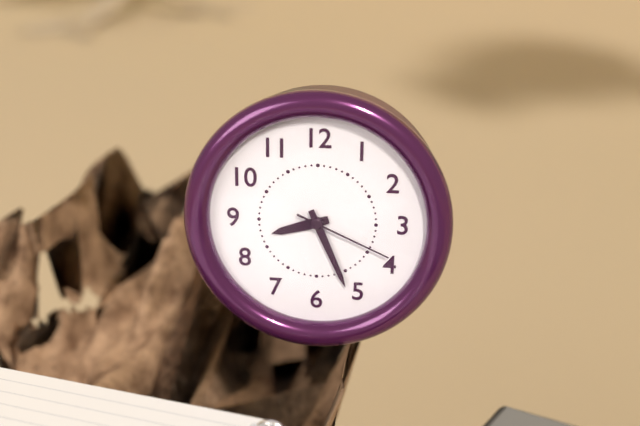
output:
8.26.19
